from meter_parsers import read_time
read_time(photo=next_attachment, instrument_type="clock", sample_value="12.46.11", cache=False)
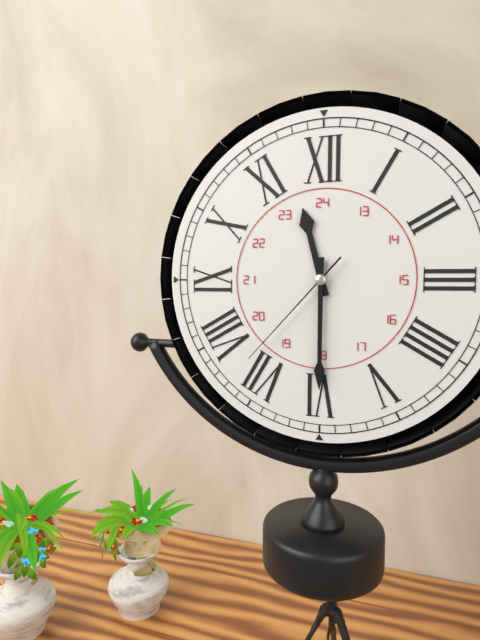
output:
11.30.37
